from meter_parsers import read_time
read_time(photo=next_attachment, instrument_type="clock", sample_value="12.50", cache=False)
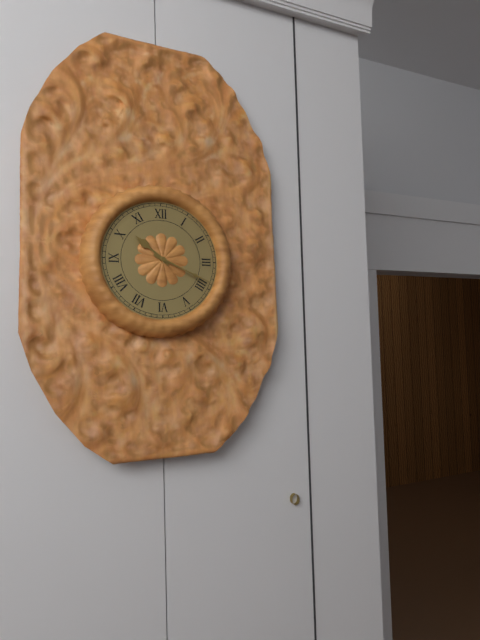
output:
10.19
